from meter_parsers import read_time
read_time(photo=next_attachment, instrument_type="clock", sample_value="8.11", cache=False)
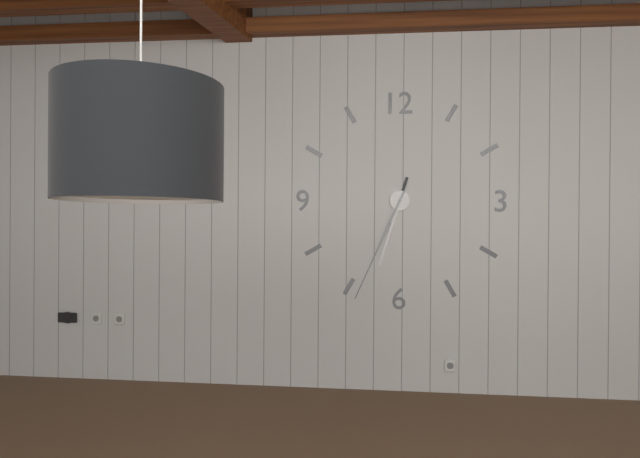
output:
6.34
